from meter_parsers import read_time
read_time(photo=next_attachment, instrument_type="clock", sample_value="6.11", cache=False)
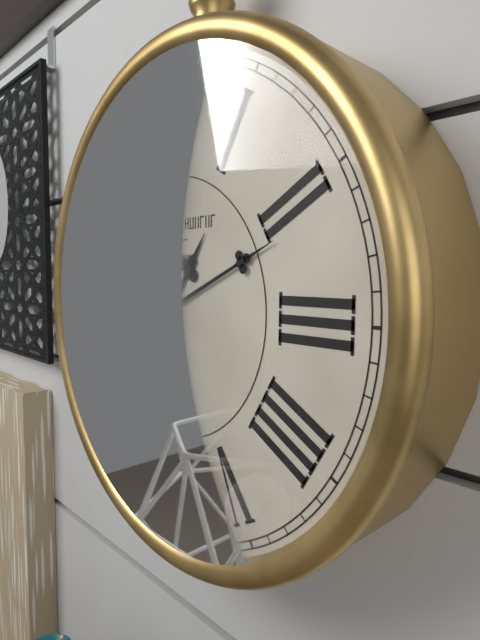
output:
1.11
